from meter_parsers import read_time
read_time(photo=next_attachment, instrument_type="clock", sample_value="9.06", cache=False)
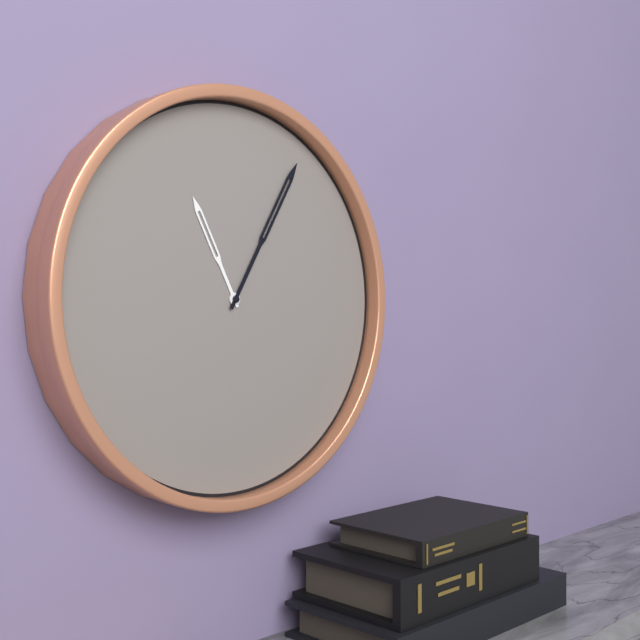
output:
11.05
